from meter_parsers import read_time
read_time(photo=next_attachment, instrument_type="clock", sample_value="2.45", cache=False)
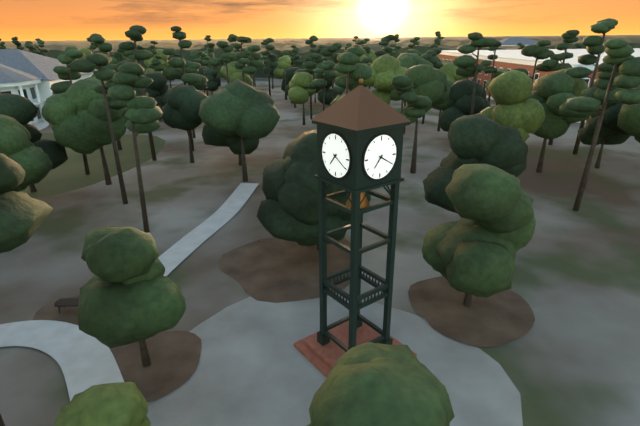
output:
7.20
